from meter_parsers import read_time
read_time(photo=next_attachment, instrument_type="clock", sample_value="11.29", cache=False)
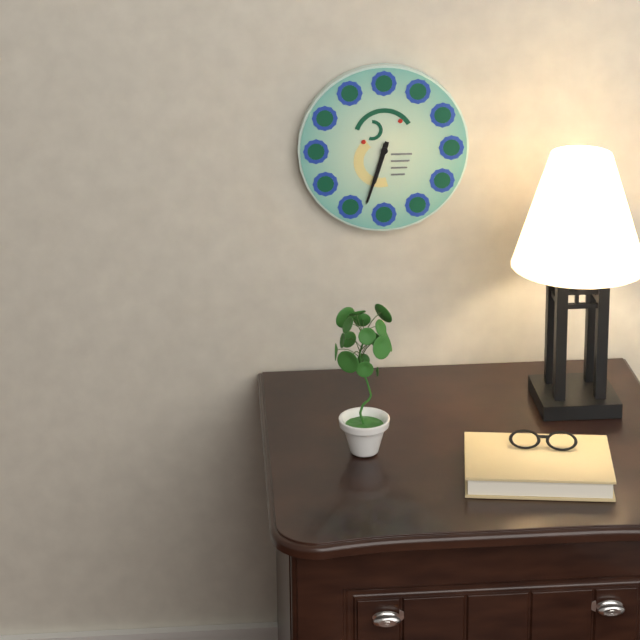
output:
6.33
